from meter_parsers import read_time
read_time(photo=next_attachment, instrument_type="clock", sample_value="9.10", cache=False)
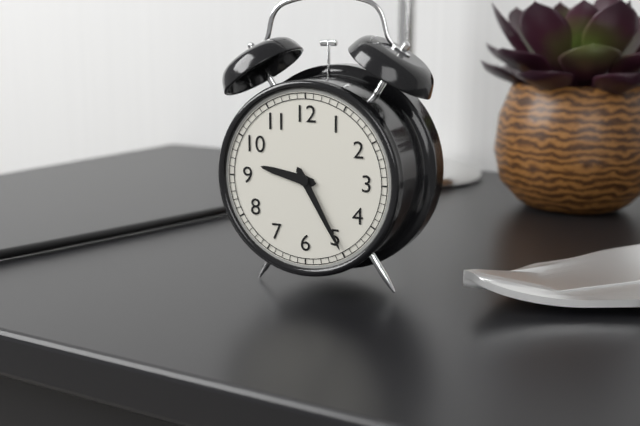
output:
9.25
